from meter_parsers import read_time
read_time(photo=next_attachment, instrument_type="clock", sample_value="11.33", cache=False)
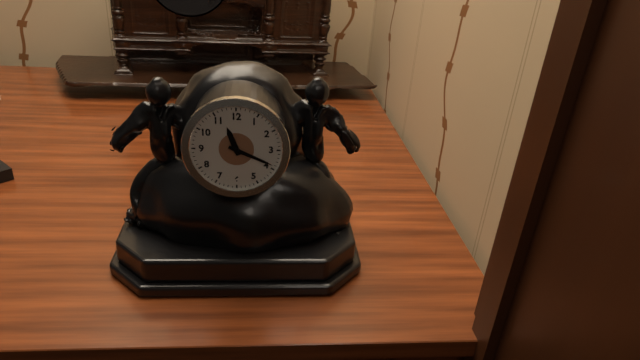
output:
11.19
